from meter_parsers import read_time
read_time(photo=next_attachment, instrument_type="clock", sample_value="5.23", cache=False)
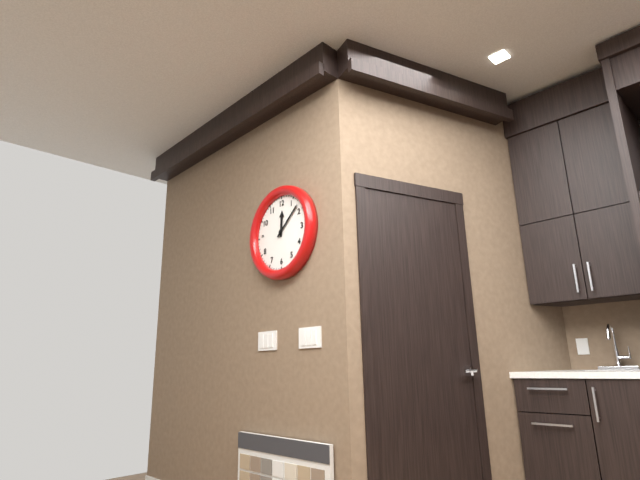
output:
12.08
